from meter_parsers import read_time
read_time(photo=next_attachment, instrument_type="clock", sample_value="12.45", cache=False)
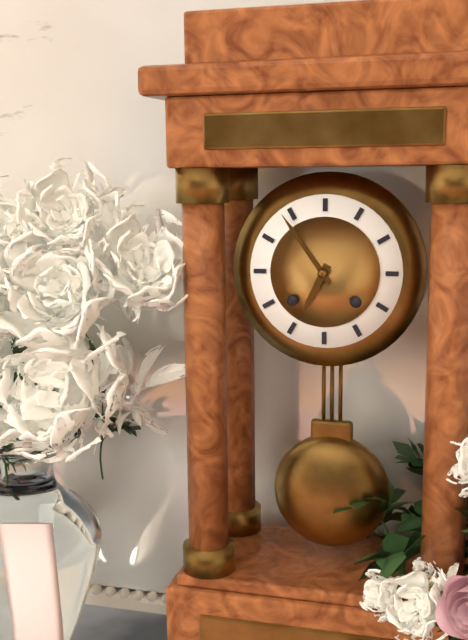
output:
6.54
